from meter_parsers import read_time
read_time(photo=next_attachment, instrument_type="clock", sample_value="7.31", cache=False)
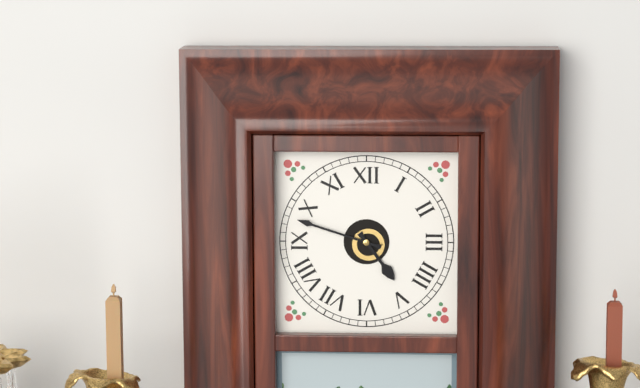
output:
4.48
